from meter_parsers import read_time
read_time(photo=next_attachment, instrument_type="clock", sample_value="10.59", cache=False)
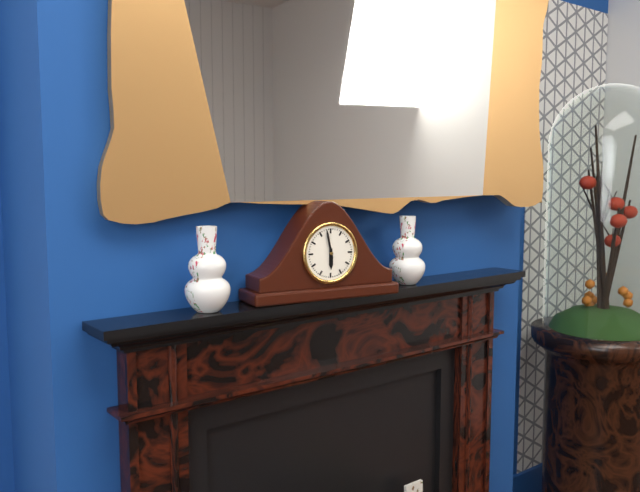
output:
5.58
